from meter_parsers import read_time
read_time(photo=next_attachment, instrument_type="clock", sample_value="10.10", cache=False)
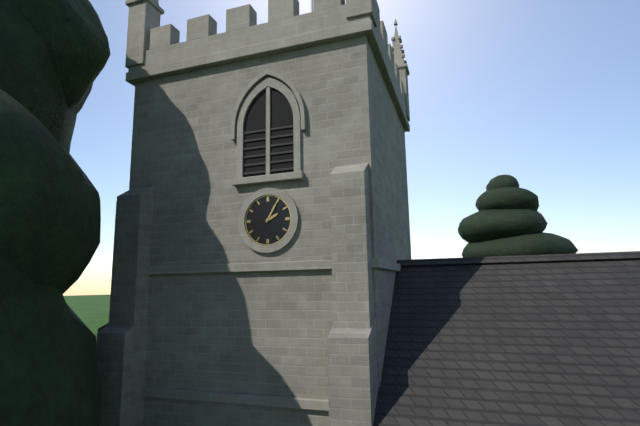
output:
2.05
